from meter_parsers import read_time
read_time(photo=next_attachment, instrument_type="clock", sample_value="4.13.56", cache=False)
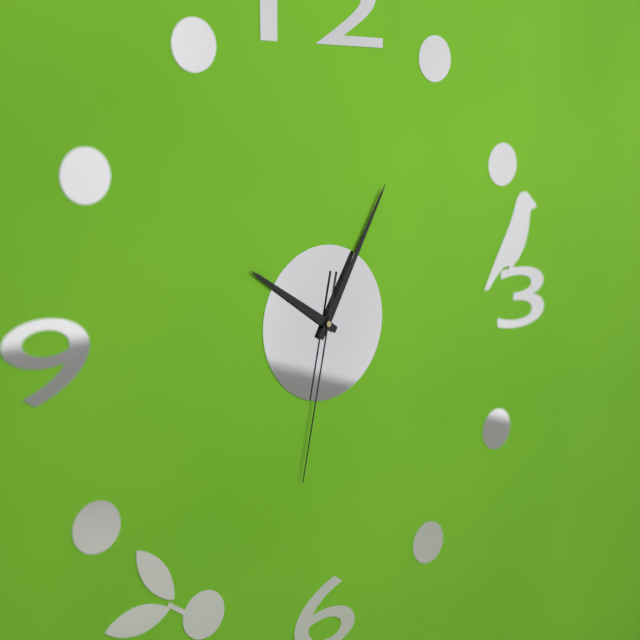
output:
10.05.32
